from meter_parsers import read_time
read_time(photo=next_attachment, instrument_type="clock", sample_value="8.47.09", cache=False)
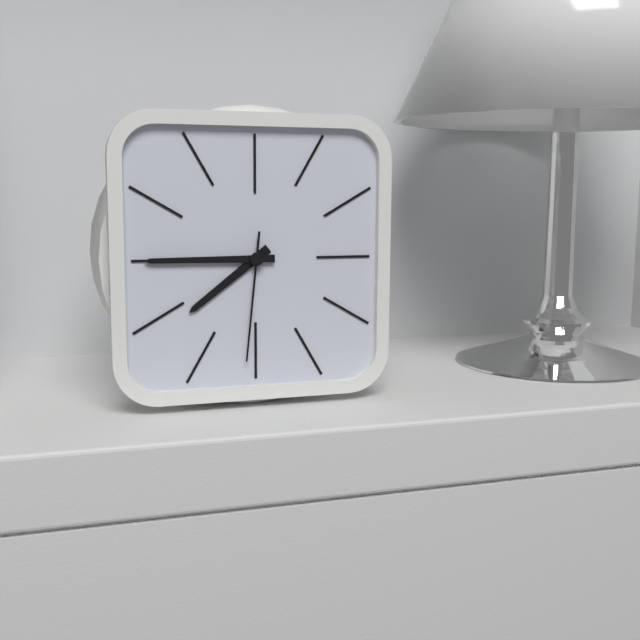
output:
7.45.31
